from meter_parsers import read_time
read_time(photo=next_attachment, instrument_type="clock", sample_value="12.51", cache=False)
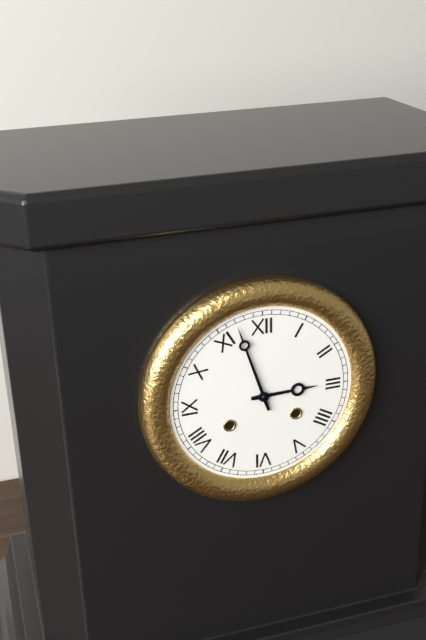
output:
2.57
